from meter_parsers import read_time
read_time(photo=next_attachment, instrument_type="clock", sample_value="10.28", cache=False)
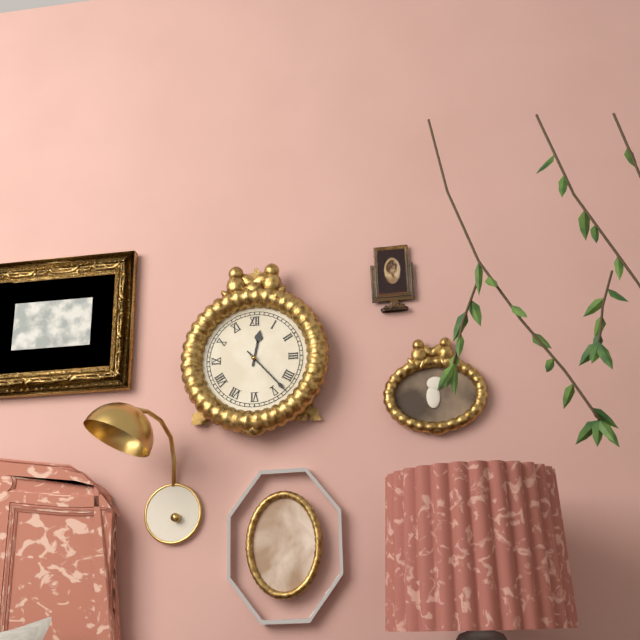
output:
12.23
